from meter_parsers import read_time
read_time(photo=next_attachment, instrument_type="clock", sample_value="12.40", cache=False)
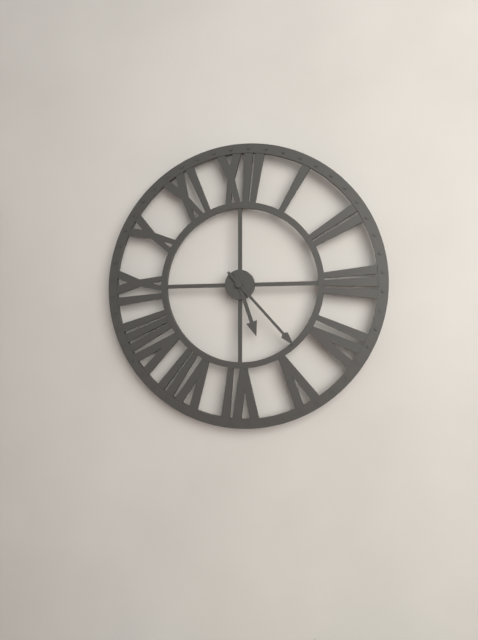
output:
5.23
